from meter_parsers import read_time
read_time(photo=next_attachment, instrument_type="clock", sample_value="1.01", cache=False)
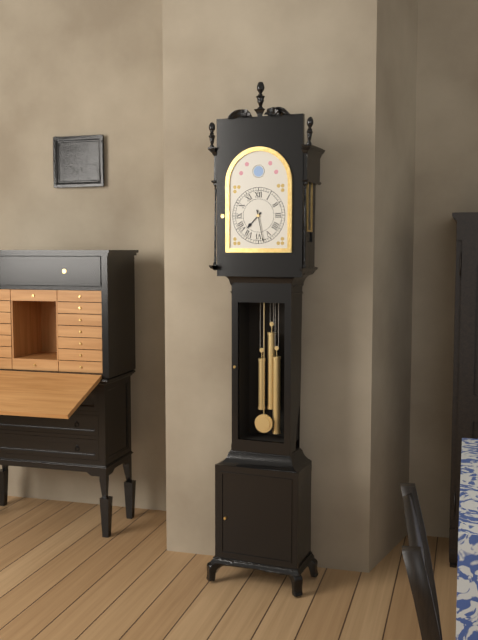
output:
7.28
